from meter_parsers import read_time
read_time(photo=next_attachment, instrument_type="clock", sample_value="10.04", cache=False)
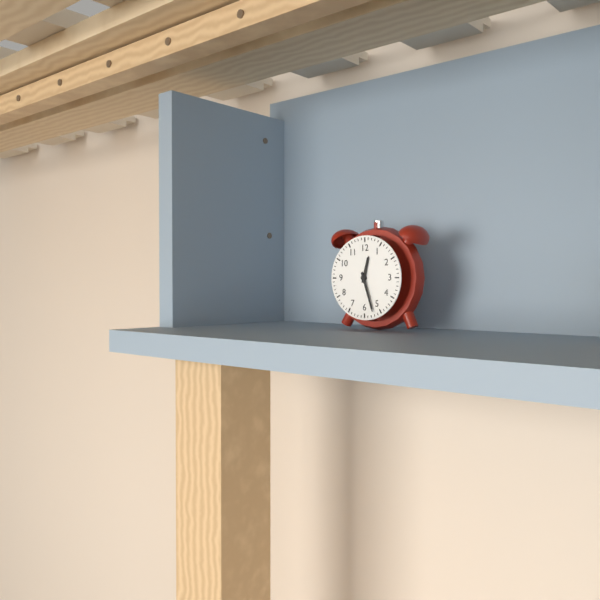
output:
12.27
